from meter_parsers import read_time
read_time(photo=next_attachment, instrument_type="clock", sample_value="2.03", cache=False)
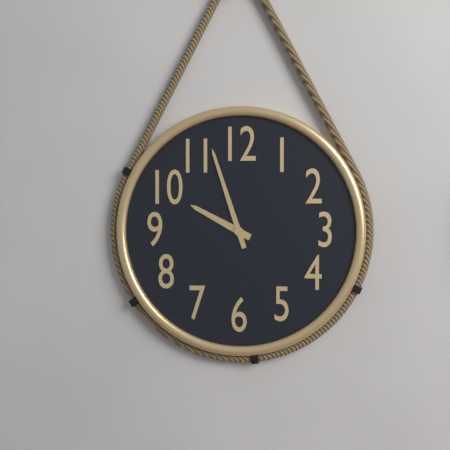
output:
9.57
